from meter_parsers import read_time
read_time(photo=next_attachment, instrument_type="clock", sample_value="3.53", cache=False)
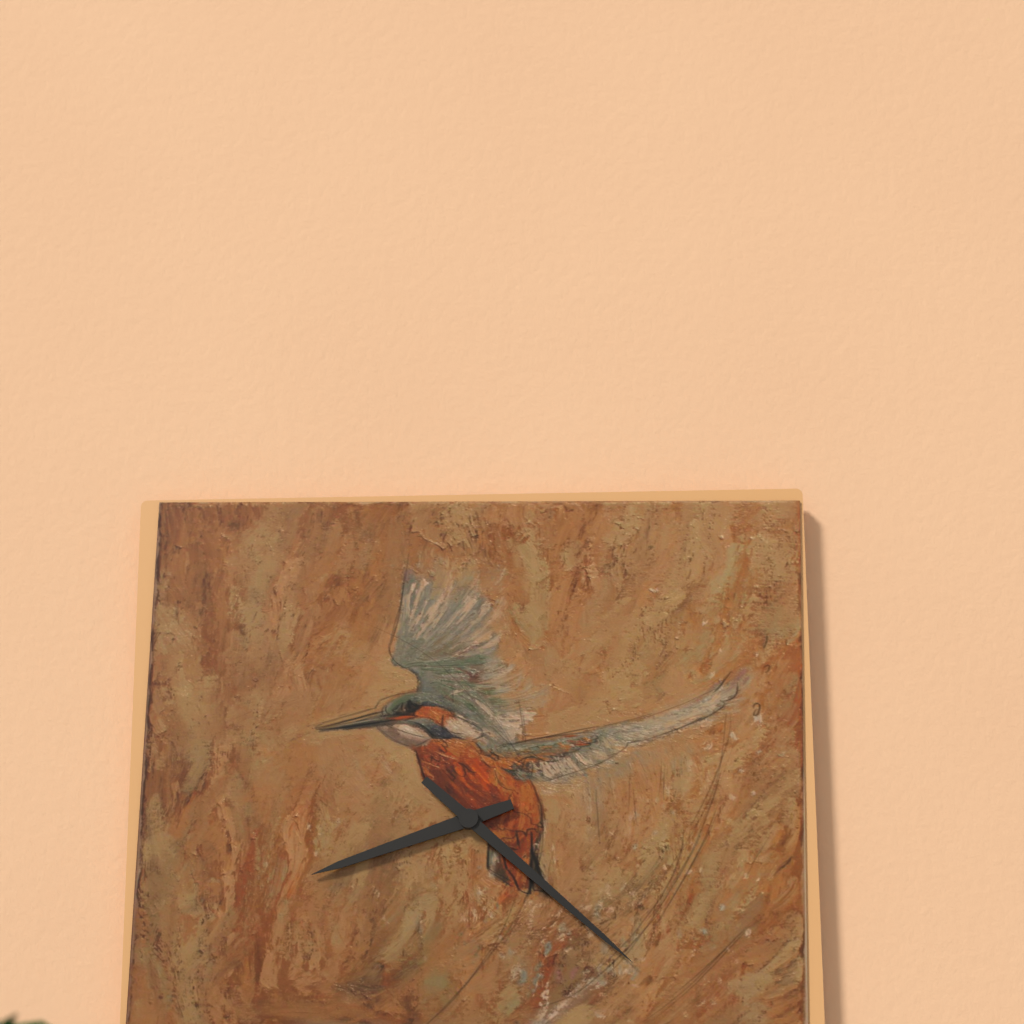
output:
8.22
